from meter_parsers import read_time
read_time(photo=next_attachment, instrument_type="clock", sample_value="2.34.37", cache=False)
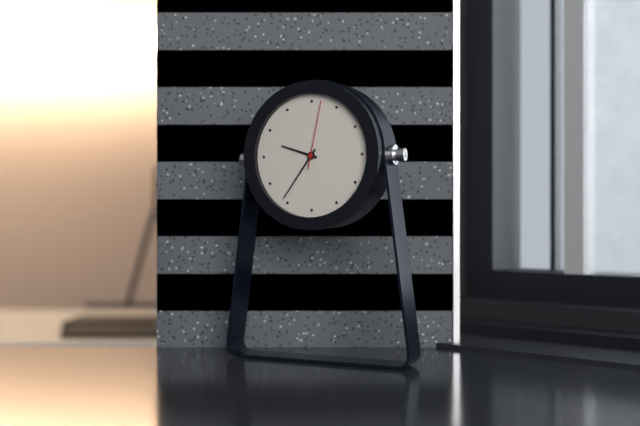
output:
9.36.02
